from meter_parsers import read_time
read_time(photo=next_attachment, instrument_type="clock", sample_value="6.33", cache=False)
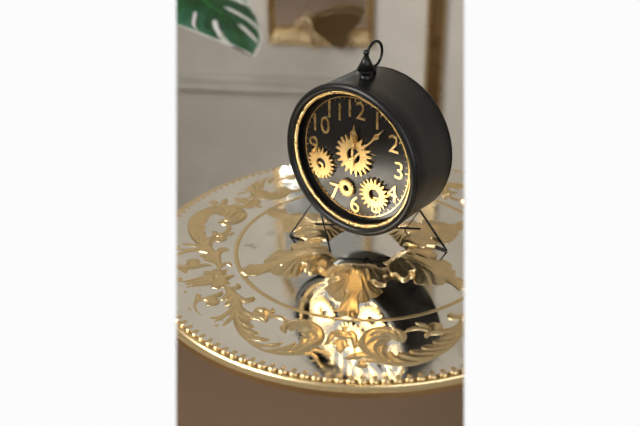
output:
12.07
